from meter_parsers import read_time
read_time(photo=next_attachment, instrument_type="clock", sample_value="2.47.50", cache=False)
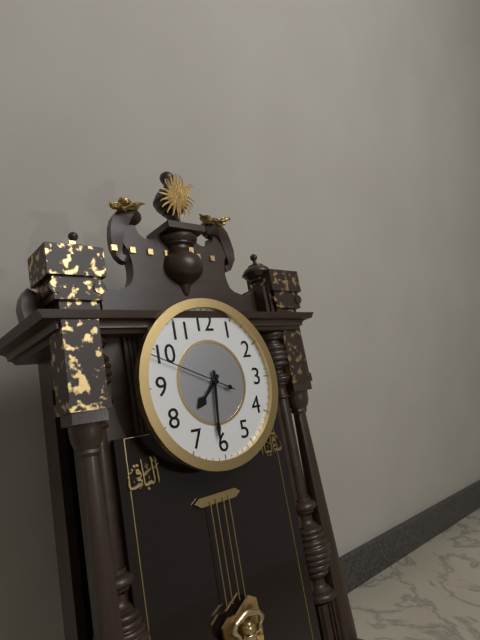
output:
7.31.49
